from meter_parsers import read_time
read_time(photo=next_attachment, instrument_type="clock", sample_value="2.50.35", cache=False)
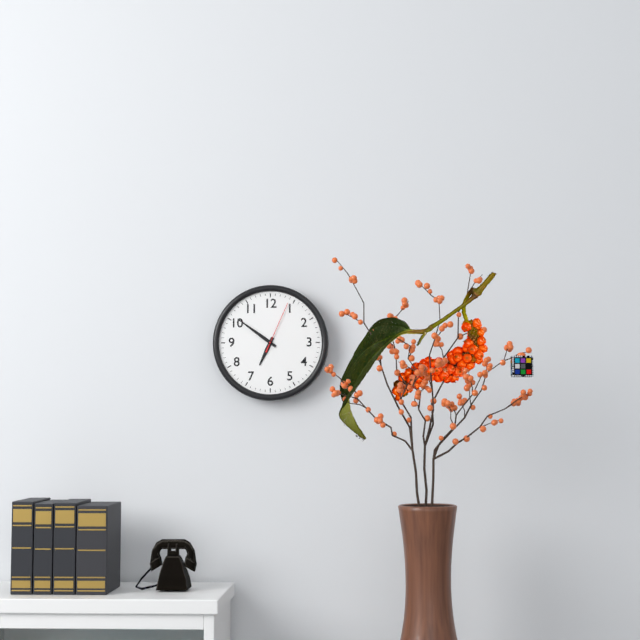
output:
6.51.04
